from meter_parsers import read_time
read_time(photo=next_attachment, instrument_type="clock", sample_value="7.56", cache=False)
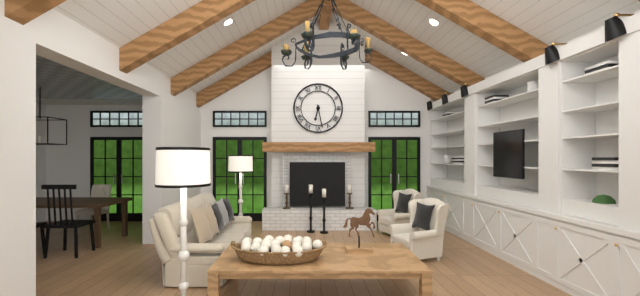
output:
6.28
